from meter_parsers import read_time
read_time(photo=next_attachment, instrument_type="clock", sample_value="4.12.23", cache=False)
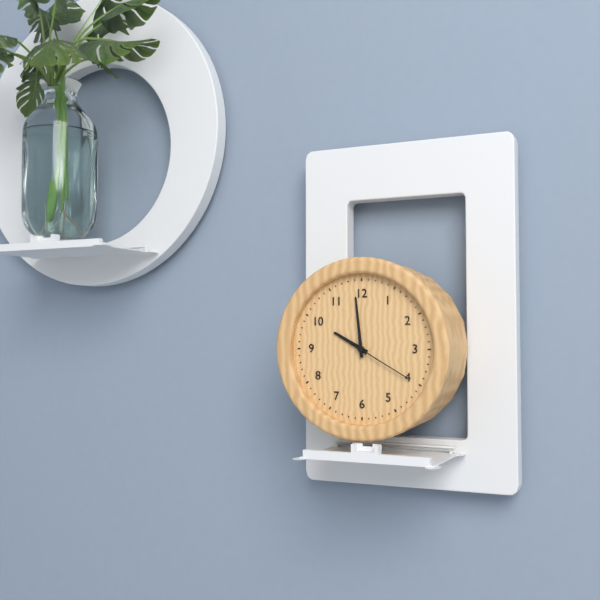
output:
9.59.20
